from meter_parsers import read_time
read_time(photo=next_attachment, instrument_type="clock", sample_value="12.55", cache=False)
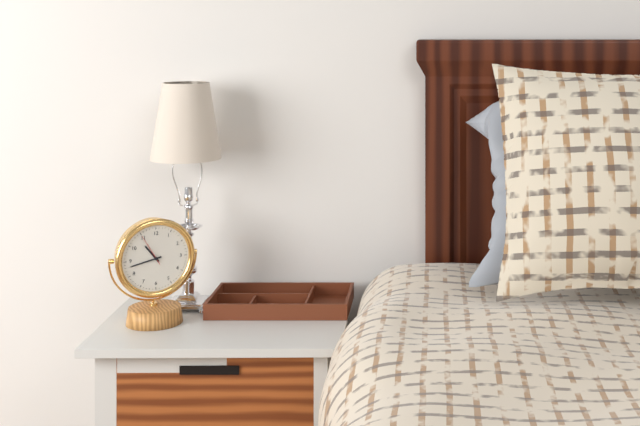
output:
10.43
